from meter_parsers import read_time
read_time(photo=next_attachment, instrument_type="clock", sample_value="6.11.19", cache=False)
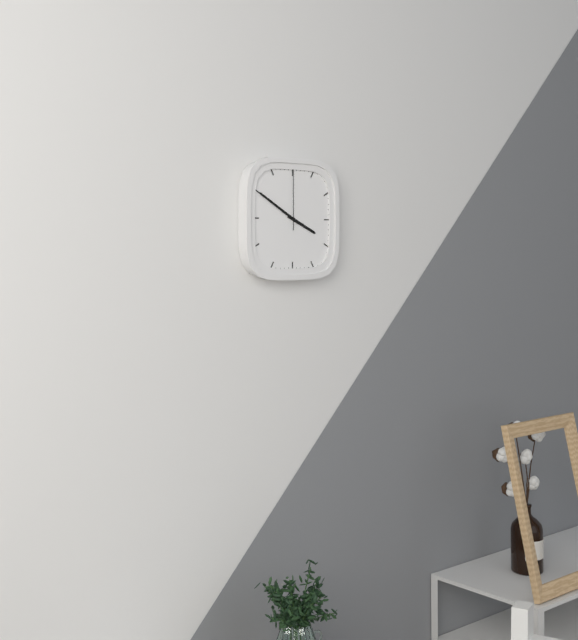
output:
3.50.00
